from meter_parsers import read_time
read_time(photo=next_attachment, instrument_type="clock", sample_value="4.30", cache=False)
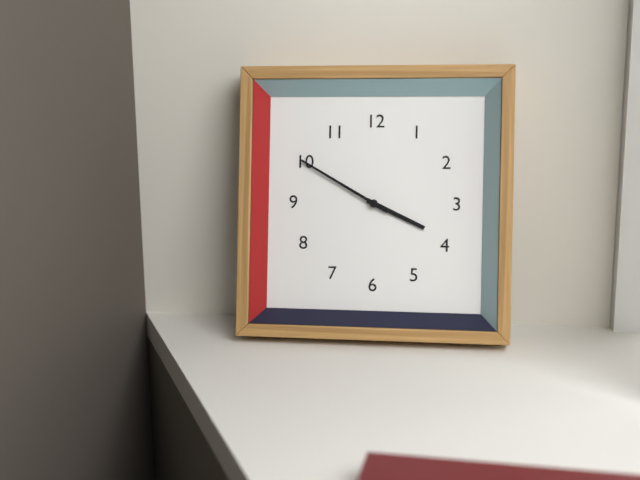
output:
3.50
